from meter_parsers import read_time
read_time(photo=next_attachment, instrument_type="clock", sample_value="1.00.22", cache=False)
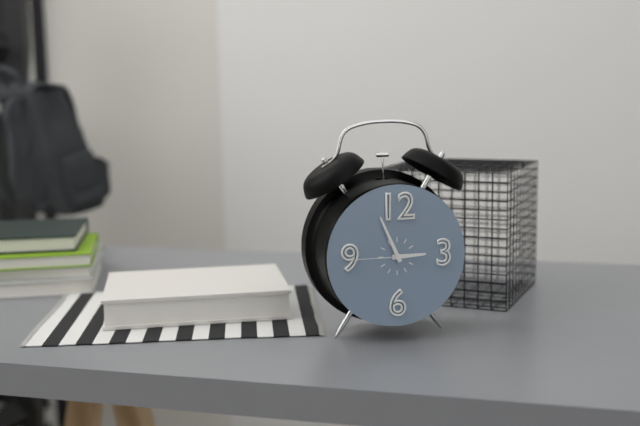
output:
2.56.45
